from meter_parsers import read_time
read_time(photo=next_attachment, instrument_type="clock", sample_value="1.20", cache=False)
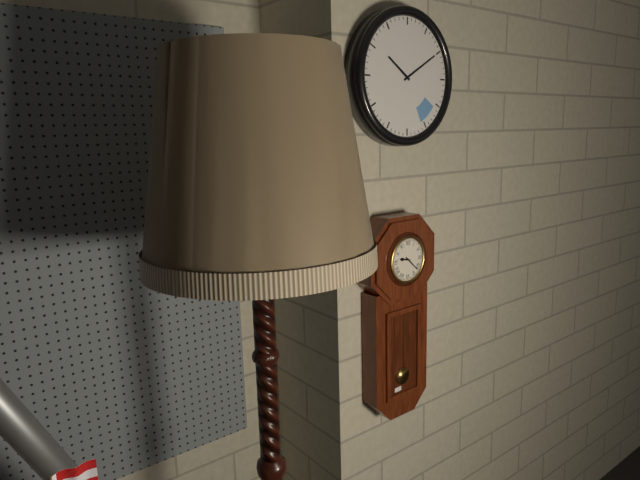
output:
9.22
